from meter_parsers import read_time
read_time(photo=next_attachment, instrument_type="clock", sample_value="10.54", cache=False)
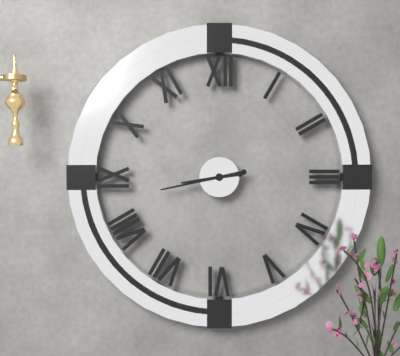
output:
8.43
